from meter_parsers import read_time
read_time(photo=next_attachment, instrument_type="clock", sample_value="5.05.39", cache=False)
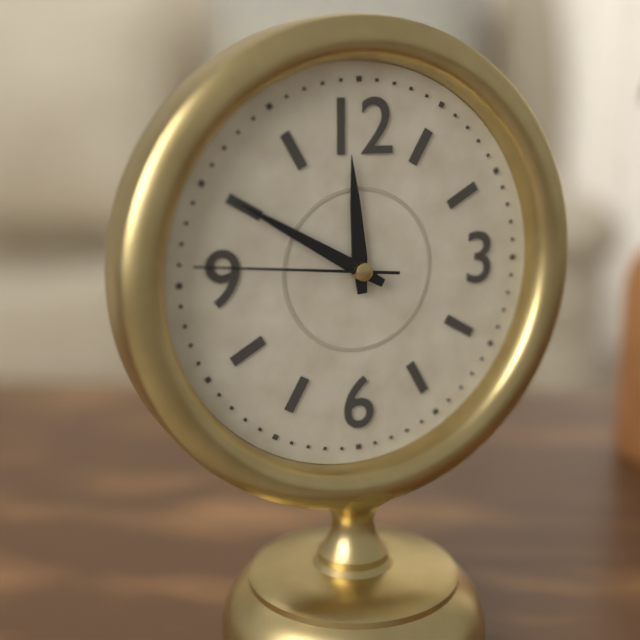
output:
11.50.46
